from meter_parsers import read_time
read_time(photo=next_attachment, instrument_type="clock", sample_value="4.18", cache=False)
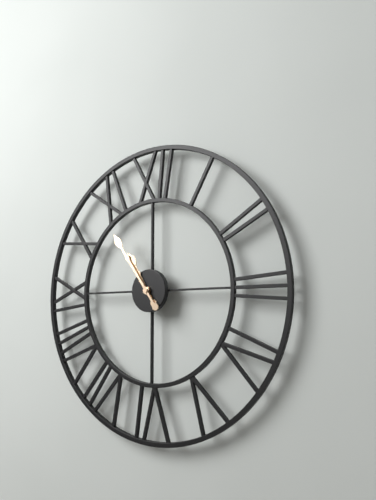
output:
10.54
